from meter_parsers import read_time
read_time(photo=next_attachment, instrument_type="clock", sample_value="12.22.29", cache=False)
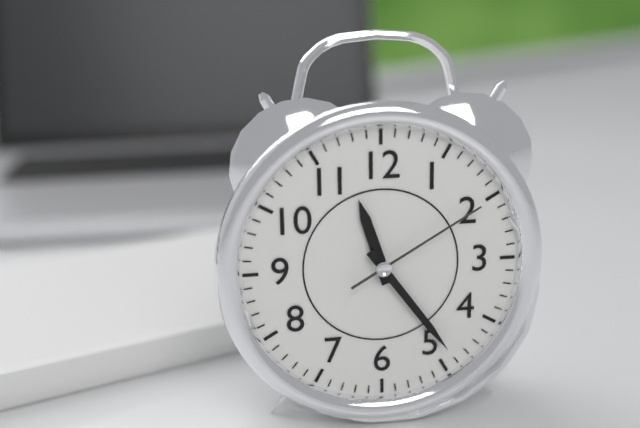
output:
11.24.10
